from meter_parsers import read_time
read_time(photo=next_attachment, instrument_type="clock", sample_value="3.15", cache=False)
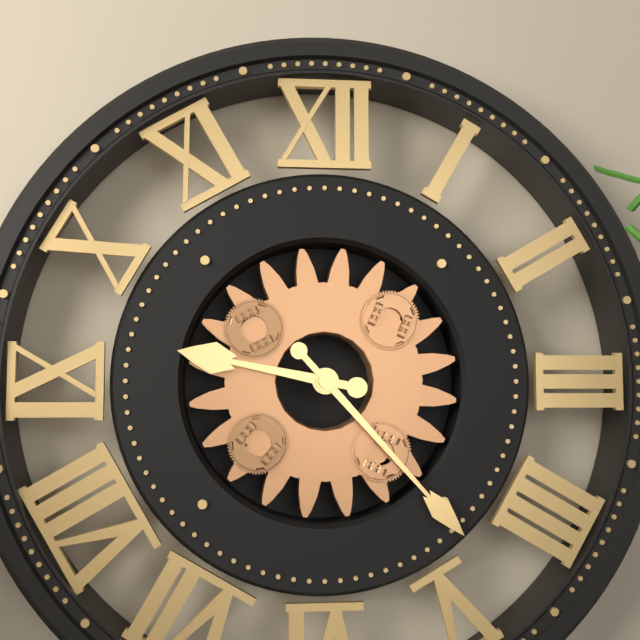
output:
9.23
